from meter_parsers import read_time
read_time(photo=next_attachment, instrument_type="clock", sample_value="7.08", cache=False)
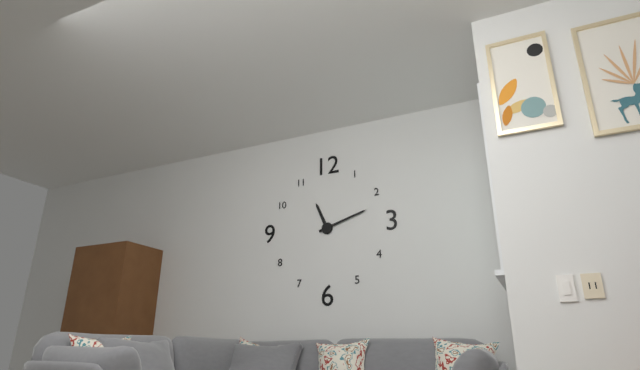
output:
11.12
